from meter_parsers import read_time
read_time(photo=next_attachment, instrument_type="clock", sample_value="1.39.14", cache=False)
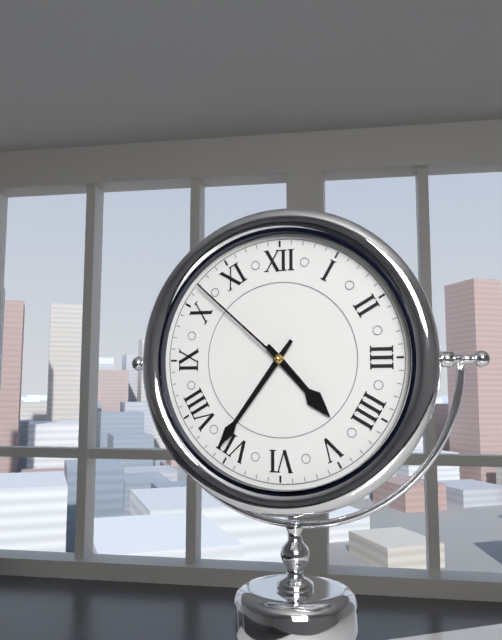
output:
4.36.52
